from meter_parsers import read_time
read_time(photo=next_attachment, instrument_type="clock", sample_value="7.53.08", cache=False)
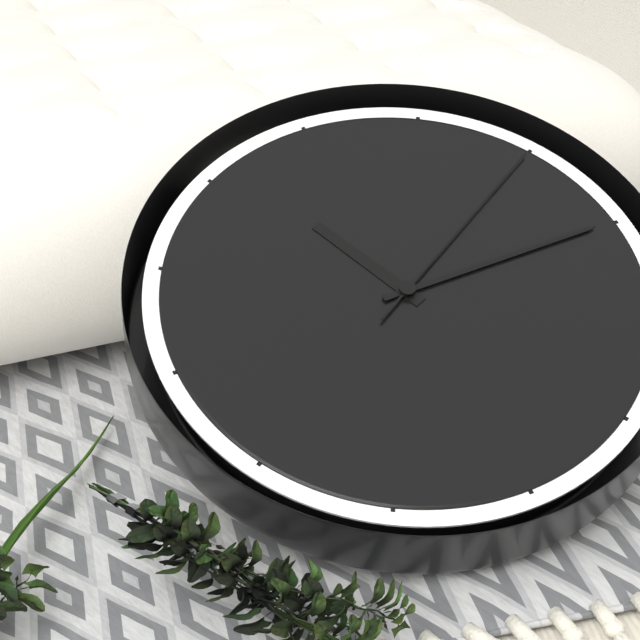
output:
11.15.10
